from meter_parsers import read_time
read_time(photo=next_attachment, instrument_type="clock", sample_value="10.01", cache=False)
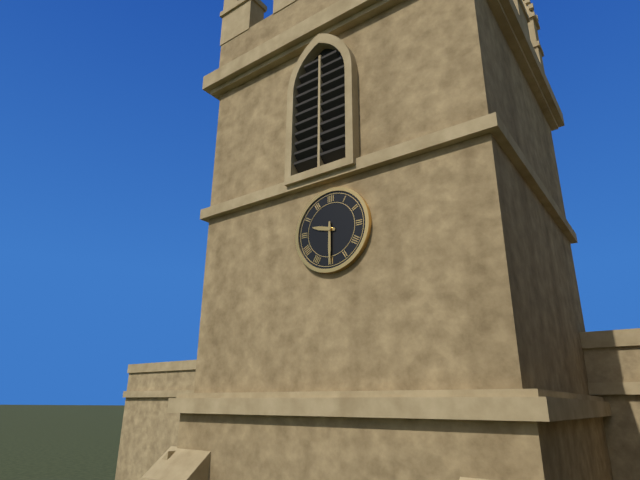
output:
9.30
